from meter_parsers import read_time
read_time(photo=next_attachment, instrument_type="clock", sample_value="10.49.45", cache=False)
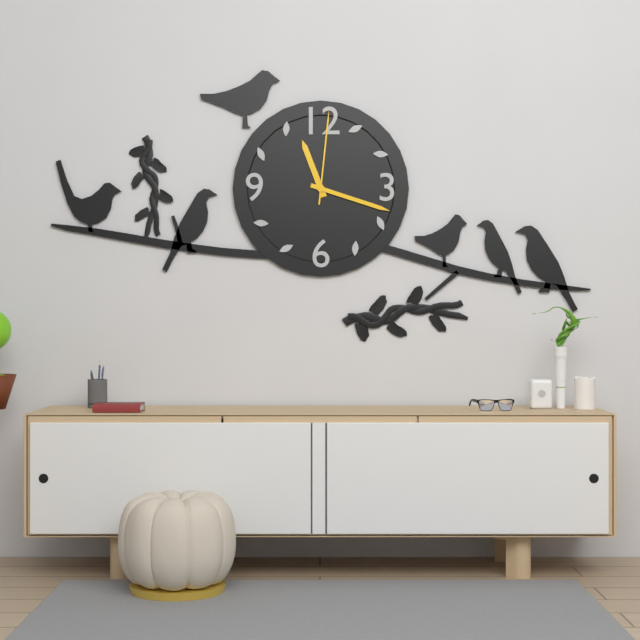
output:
11.18.01
